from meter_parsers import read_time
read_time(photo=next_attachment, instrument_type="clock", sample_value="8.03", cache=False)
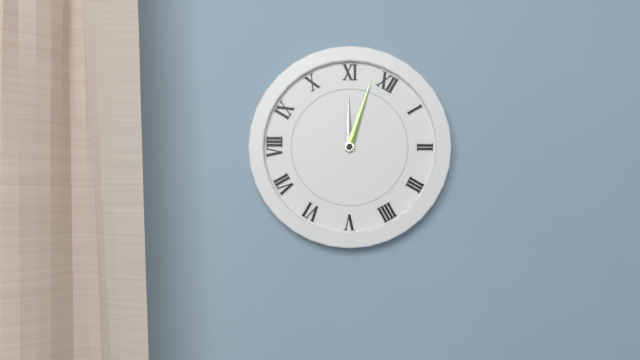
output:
10.58
